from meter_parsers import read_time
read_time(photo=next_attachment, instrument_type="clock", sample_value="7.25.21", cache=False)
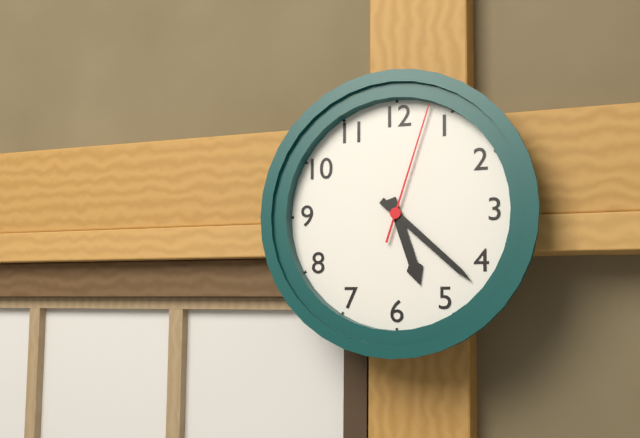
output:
5.22.03
